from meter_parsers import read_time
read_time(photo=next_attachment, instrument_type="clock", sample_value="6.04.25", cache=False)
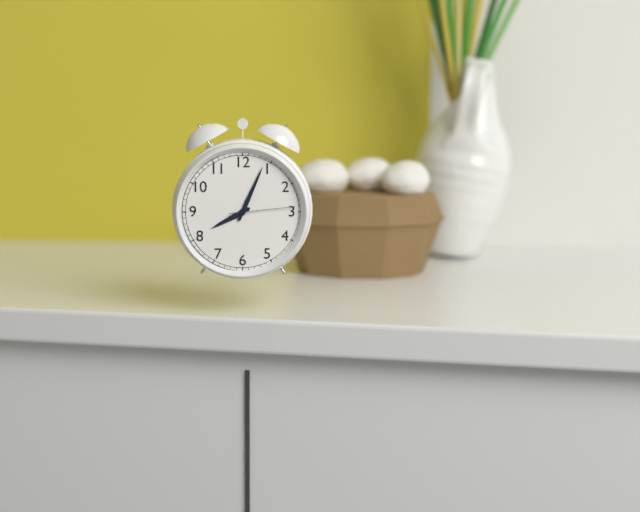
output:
8.04.14
